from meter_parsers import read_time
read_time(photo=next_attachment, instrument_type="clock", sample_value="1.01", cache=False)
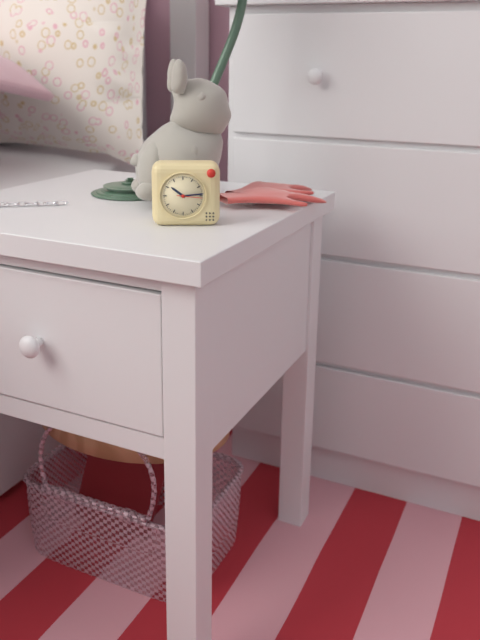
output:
10.14
